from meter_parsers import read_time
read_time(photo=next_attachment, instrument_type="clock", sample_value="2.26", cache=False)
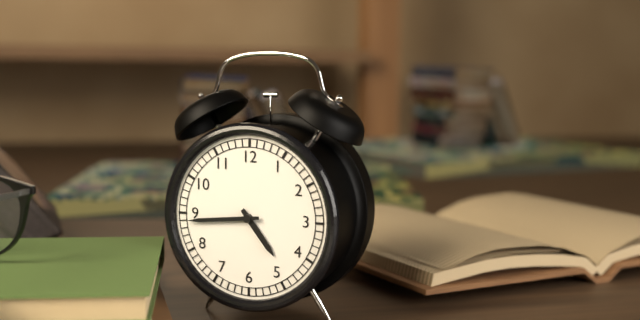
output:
4.44
